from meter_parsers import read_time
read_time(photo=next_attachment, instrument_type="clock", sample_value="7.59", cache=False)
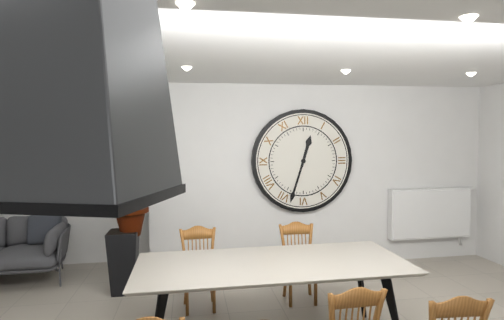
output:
12.33
